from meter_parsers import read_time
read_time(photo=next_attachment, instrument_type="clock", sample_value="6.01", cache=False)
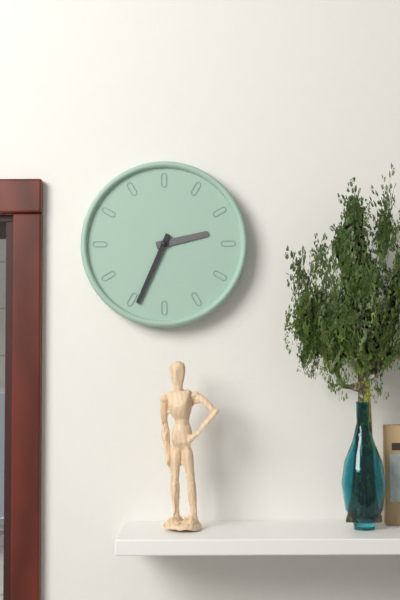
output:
2.34
